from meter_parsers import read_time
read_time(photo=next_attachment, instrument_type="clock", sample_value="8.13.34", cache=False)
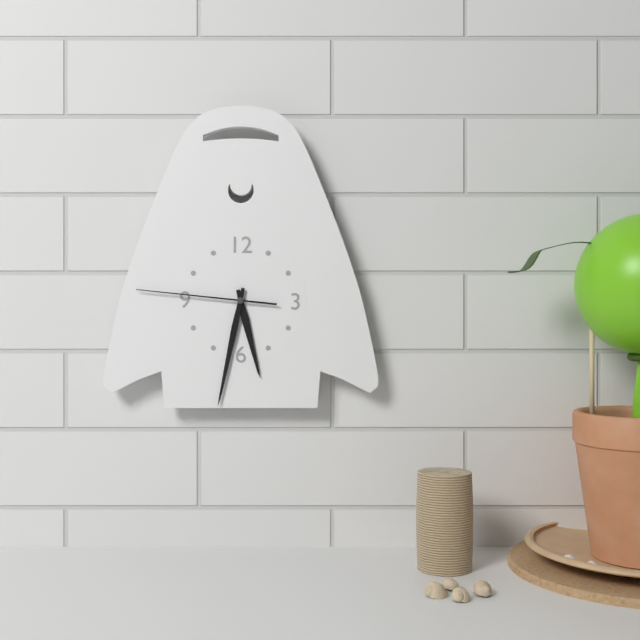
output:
5.32.46
